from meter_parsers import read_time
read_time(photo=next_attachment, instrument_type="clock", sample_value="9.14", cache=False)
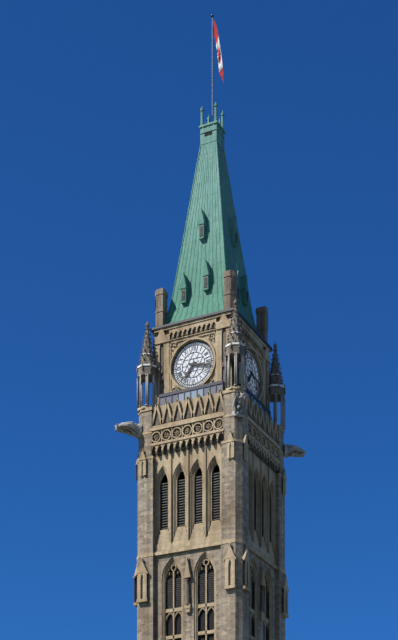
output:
7.17
